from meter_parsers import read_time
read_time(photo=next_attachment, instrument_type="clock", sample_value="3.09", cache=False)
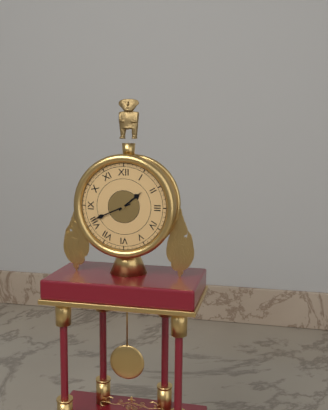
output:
1.41
